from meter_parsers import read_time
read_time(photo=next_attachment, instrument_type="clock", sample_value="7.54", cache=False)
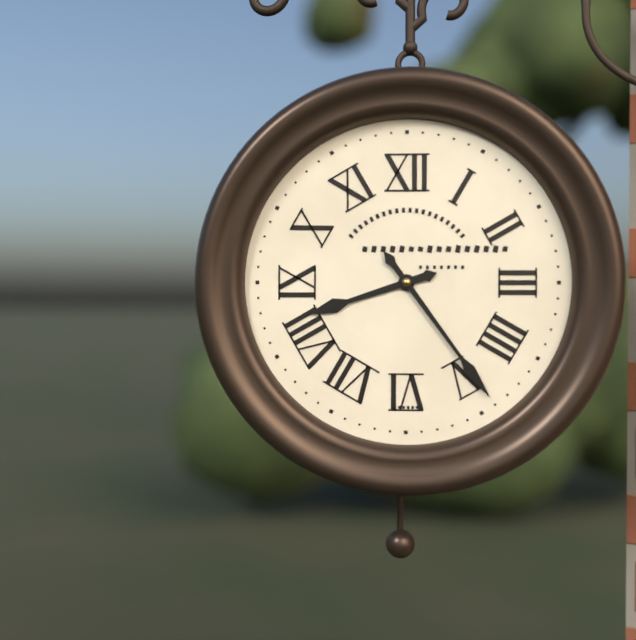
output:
8.24
